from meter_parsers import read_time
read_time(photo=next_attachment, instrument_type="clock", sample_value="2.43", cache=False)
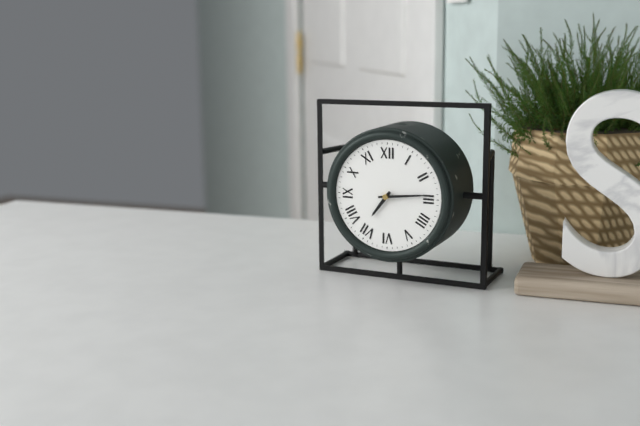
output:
7.14
